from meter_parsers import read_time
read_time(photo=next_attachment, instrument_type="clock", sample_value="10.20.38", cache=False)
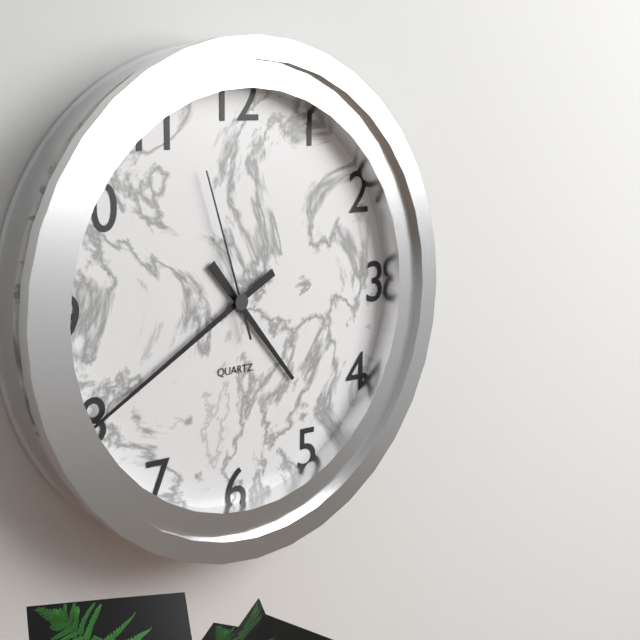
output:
4.40.57
